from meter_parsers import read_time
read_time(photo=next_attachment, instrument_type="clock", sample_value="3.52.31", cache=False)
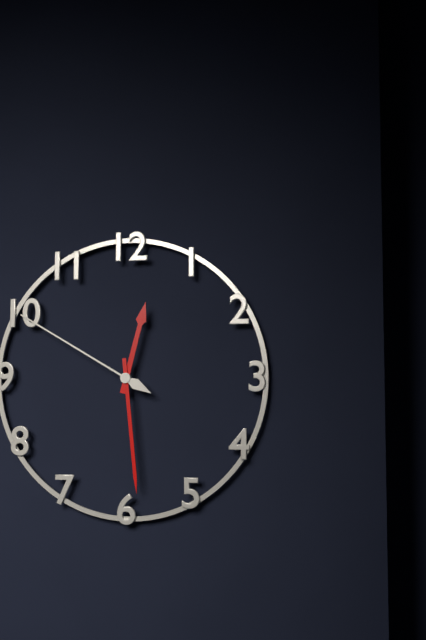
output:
12.29.50
